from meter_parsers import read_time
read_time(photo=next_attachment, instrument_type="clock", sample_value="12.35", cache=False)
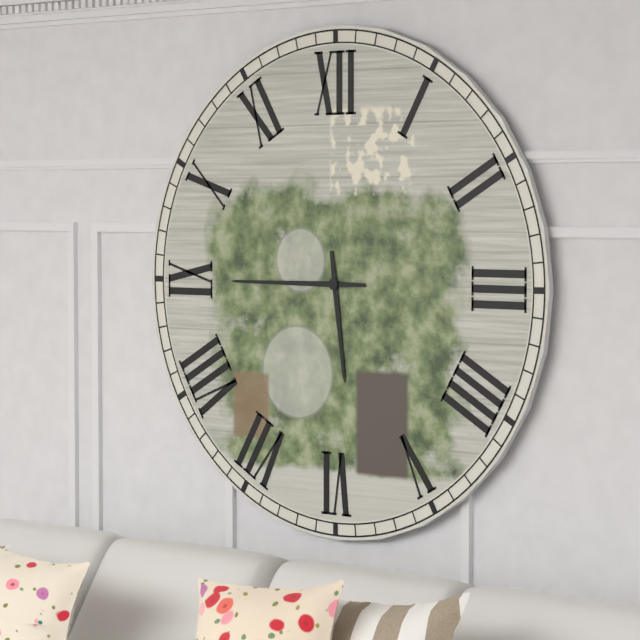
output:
5.45
